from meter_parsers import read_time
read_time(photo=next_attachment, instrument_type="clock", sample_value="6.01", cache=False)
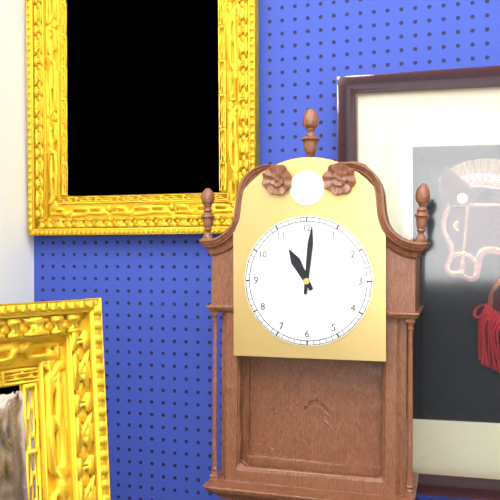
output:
11.01
